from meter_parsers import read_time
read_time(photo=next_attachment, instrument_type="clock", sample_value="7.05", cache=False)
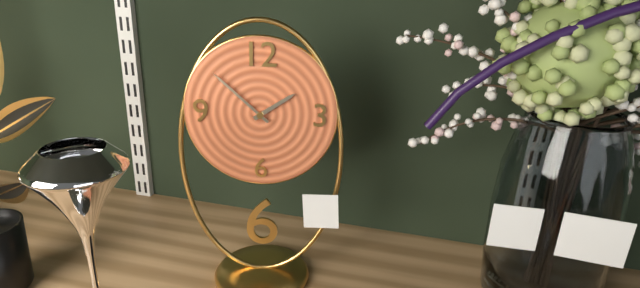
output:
1.52
